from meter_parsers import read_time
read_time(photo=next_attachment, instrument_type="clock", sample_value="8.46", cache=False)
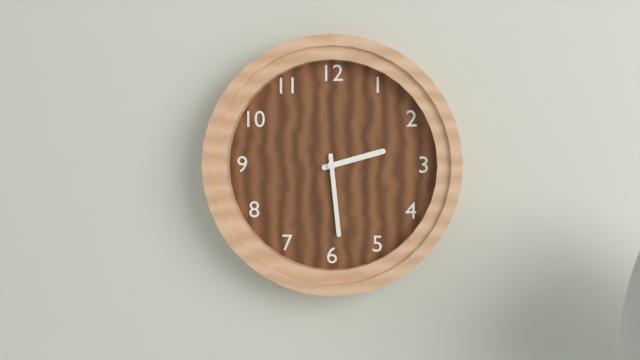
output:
2.29
